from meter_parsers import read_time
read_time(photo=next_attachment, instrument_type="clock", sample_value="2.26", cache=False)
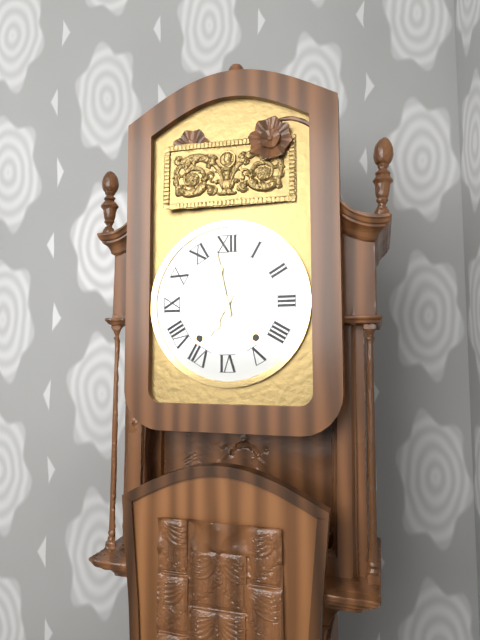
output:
6.58
